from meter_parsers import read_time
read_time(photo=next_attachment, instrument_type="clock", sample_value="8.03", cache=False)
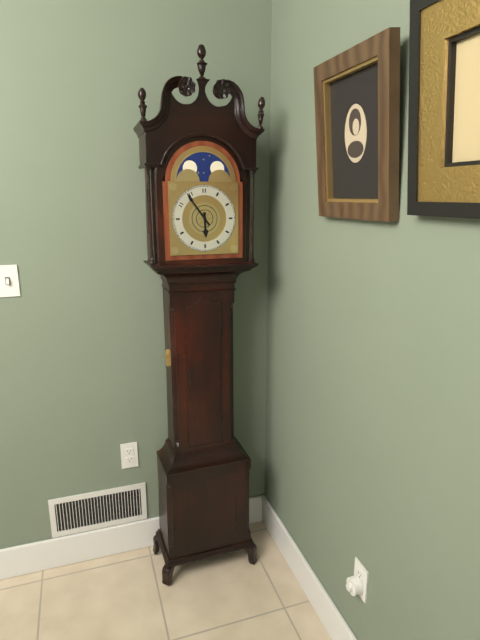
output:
5.54
